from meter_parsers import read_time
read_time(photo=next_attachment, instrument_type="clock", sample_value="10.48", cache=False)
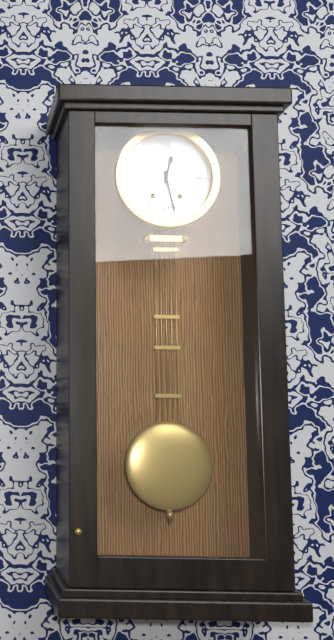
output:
12.28
